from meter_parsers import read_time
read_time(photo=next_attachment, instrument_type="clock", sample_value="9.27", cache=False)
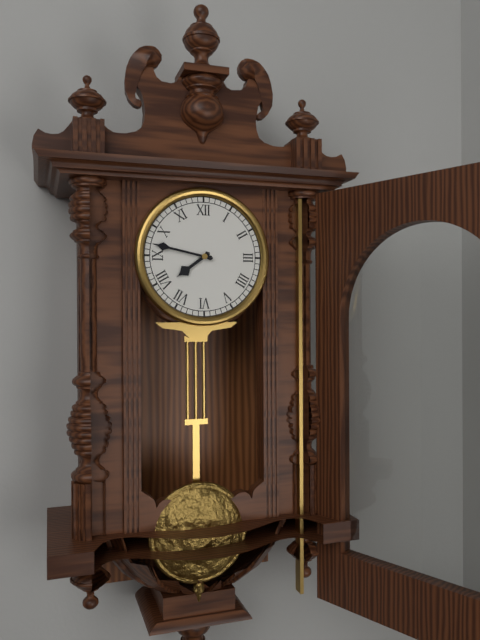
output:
7.47
